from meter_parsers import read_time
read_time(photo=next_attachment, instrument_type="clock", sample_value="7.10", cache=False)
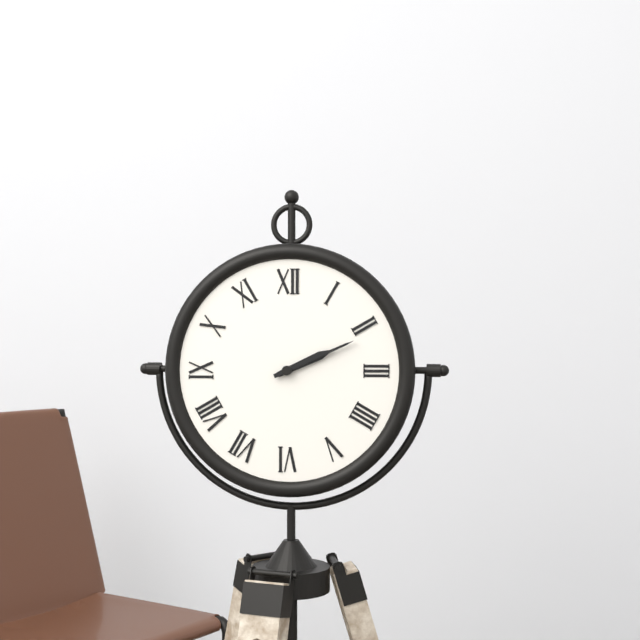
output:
2.11
